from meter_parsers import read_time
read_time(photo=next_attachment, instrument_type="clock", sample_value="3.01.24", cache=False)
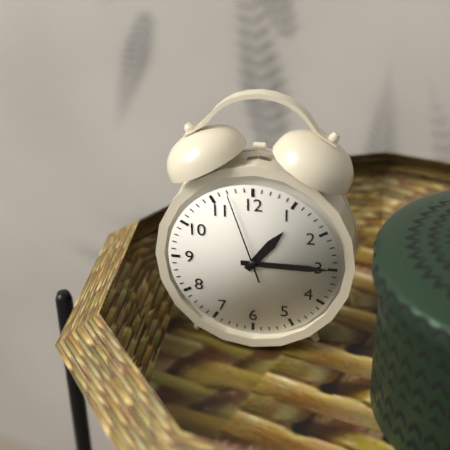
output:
1.15.57
